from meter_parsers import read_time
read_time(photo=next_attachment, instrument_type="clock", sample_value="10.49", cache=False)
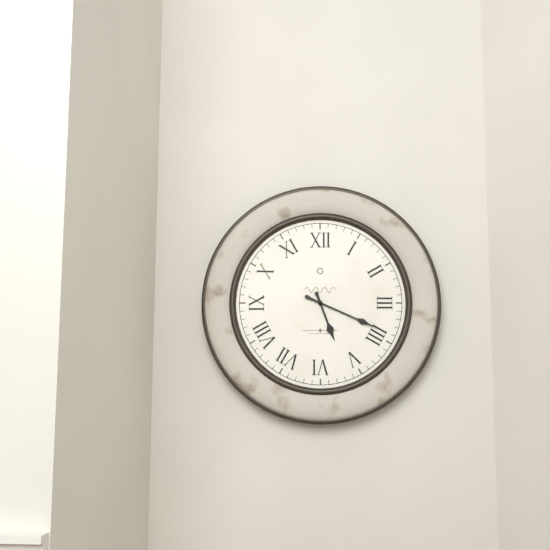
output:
5.19
